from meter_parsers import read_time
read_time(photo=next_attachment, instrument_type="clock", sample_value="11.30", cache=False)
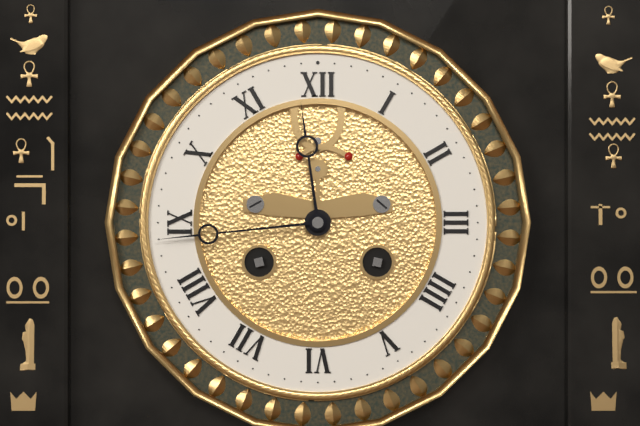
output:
11.44
